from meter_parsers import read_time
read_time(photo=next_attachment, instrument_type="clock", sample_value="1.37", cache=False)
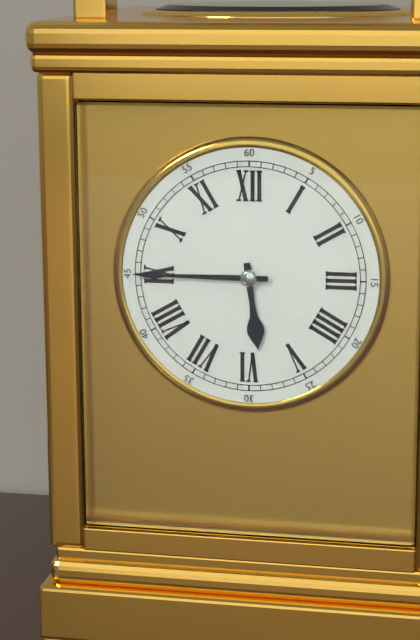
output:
5.45
